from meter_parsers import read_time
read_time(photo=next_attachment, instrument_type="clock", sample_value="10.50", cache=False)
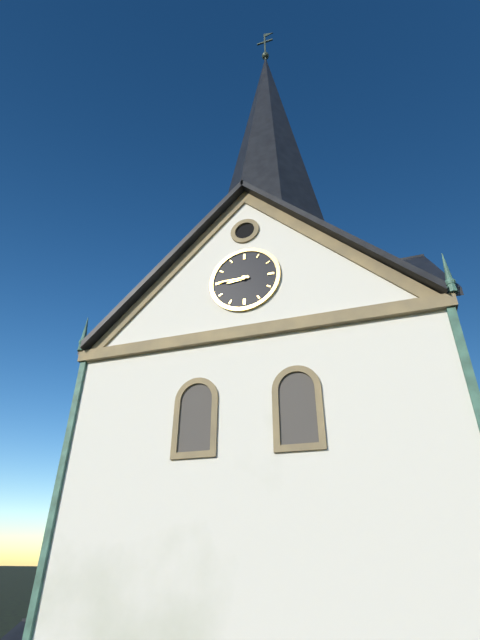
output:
8.45
